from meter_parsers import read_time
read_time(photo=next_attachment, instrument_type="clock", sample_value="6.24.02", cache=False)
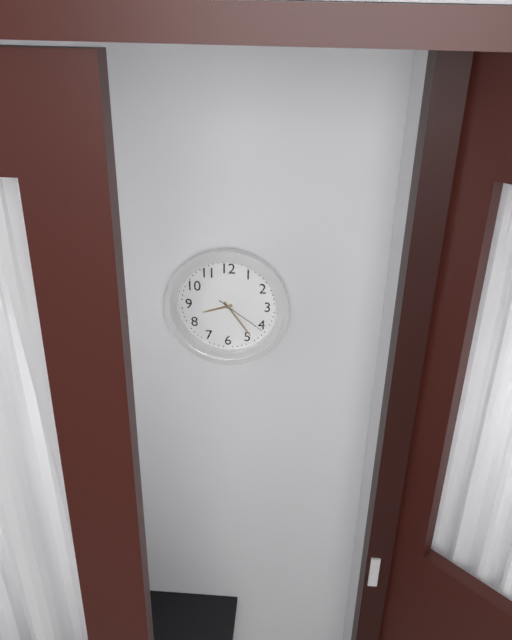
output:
8.24.21
